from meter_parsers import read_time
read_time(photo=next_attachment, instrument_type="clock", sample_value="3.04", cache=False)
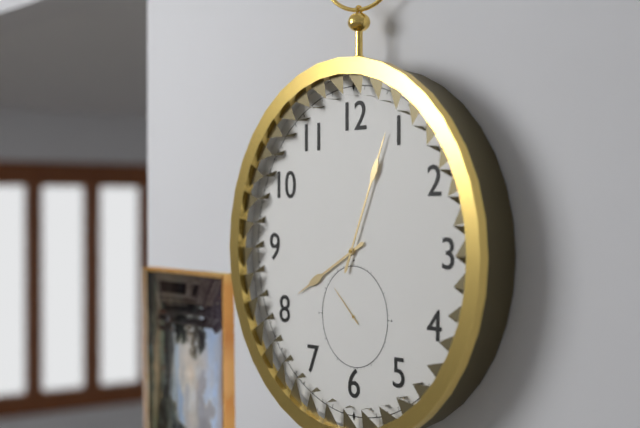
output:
8.04
